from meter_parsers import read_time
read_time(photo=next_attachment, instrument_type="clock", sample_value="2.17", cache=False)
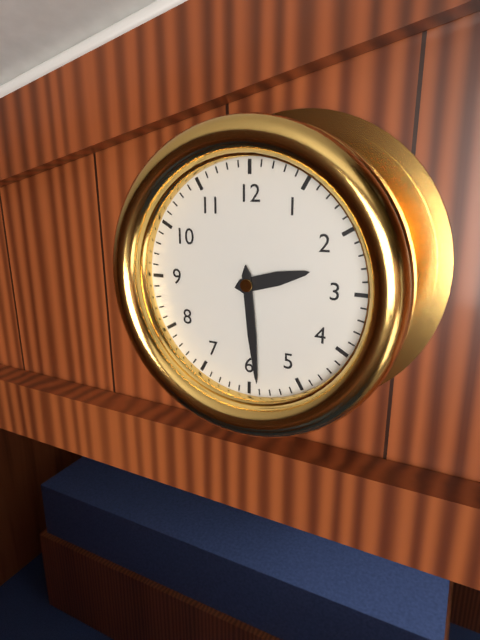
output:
2.29
